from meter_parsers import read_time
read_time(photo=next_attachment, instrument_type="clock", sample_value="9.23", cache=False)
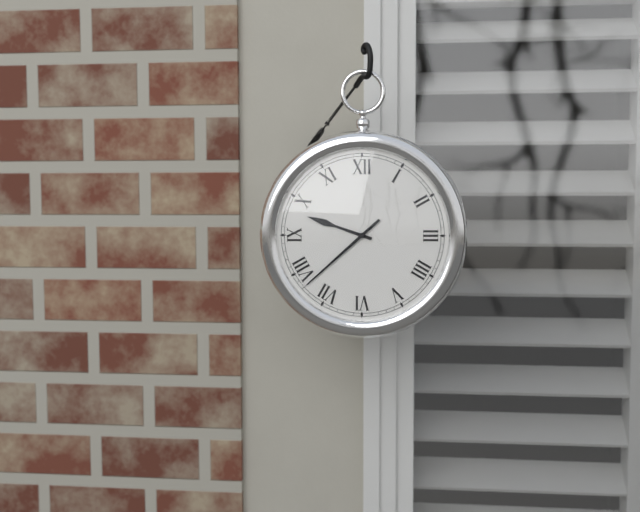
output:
9.38
